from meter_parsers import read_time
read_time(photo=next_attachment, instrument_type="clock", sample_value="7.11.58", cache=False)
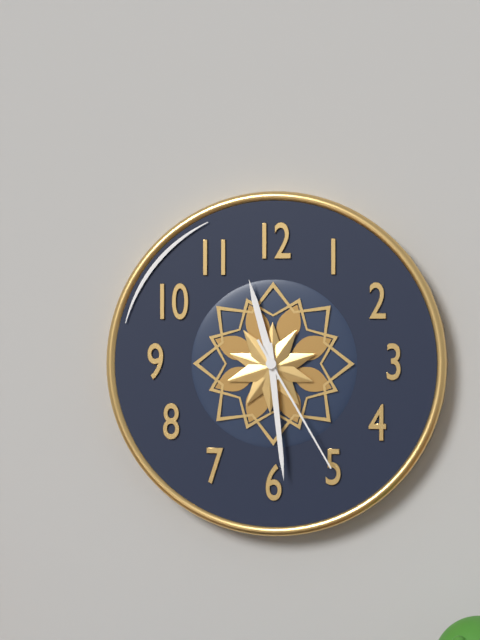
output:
11.29.25
